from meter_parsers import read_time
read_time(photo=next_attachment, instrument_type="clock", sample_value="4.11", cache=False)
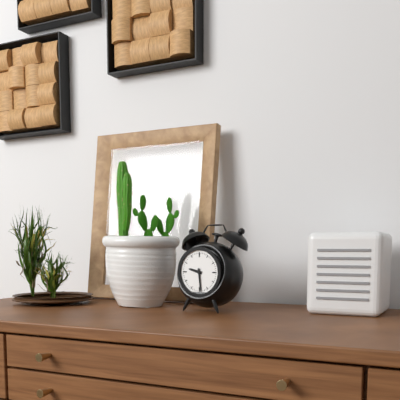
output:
9.29
